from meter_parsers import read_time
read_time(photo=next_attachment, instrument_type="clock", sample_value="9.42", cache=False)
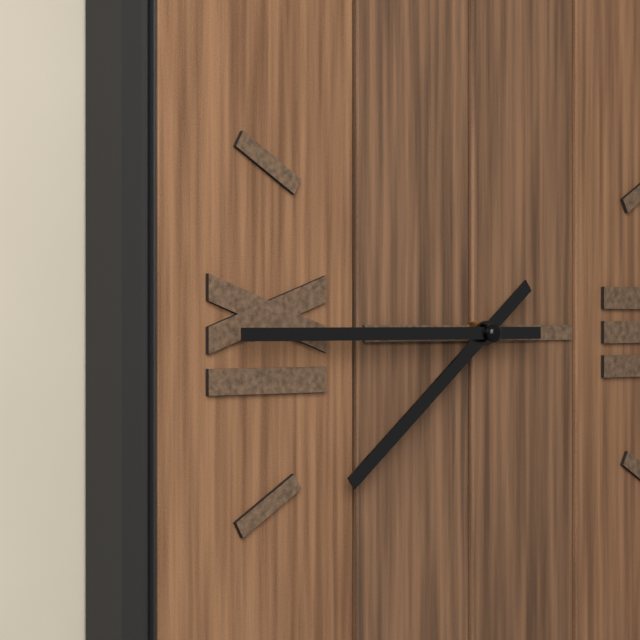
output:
7.45
